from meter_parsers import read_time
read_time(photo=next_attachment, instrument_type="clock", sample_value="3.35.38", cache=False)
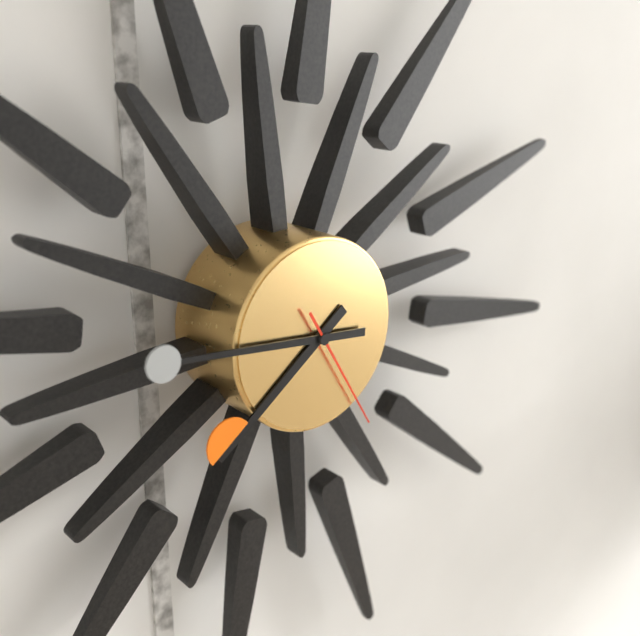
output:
7.46.25
